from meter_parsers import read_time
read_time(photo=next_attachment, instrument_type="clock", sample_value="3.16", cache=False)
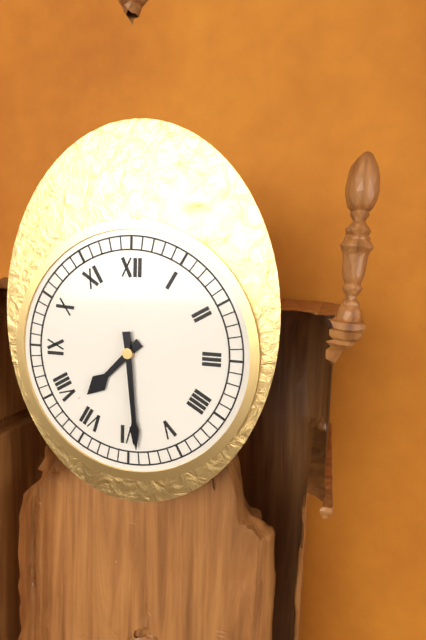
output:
7.29
